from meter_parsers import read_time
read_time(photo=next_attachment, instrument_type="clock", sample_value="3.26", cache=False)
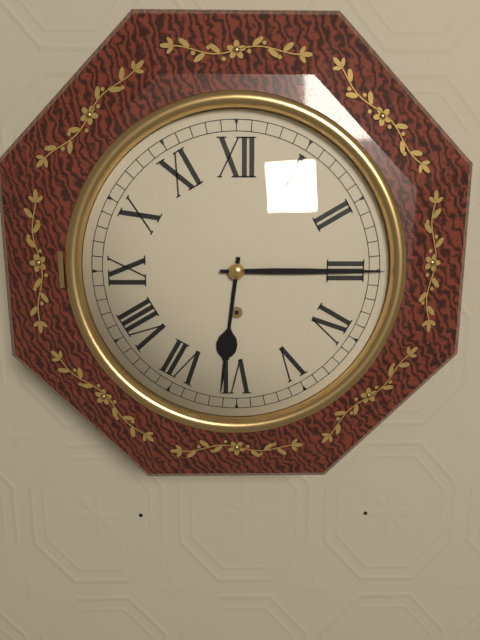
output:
6.15
